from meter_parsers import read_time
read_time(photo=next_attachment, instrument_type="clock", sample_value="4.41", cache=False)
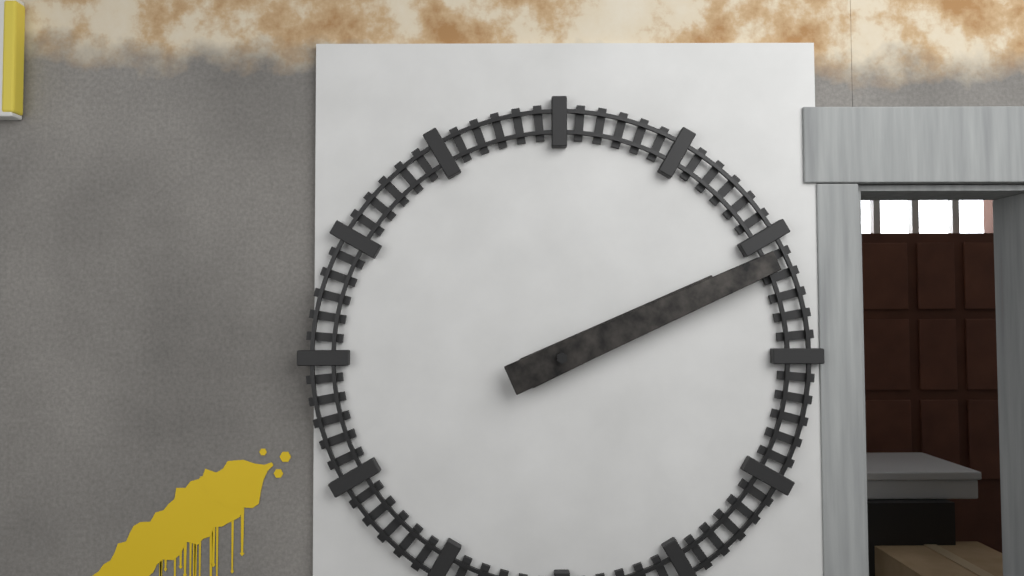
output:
2.11
